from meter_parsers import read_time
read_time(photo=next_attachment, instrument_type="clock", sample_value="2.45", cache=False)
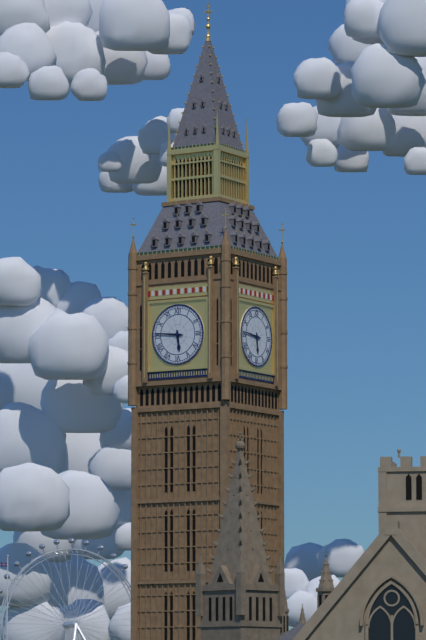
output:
5.46
